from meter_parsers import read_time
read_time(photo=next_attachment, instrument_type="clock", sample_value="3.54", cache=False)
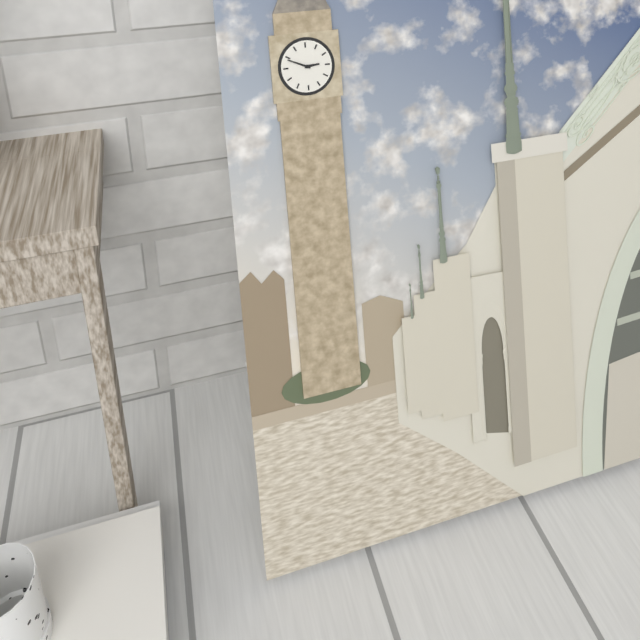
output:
2.49
